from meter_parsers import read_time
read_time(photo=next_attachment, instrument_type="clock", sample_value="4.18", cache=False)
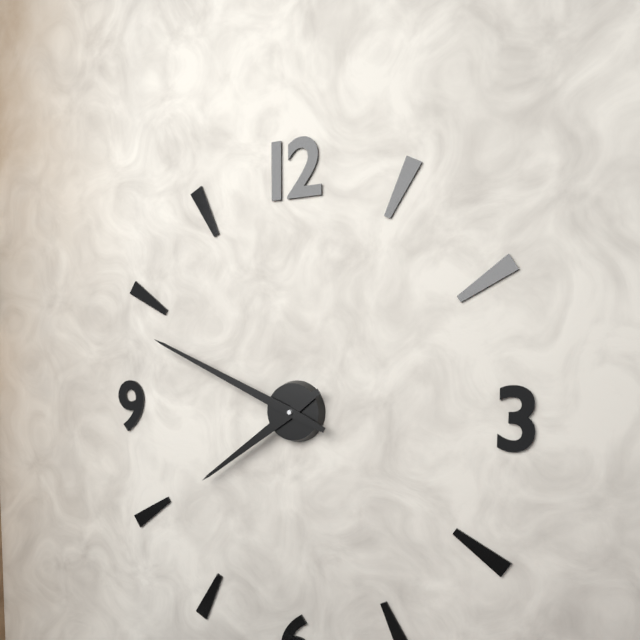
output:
7.49
